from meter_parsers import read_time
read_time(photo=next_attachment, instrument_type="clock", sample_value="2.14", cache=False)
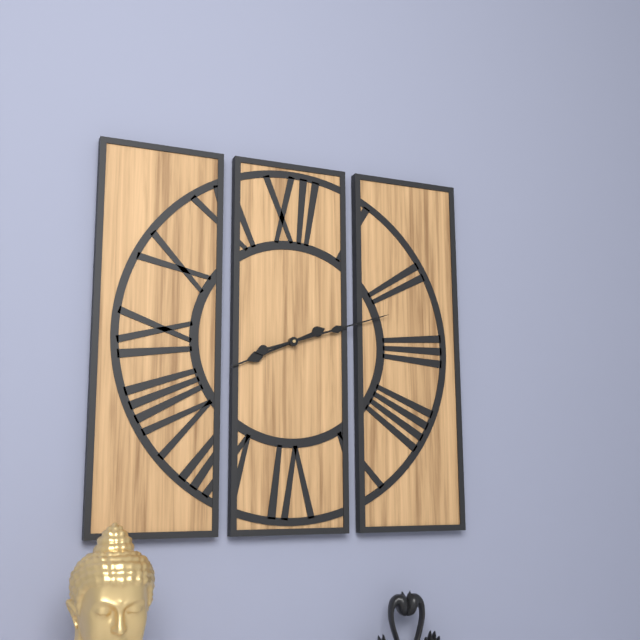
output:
8.12
